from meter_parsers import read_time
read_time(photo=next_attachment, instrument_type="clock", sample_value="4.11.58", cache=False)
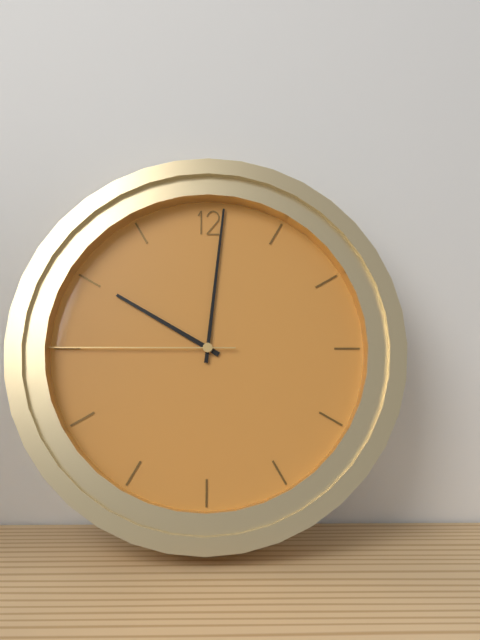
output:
10.01.45
